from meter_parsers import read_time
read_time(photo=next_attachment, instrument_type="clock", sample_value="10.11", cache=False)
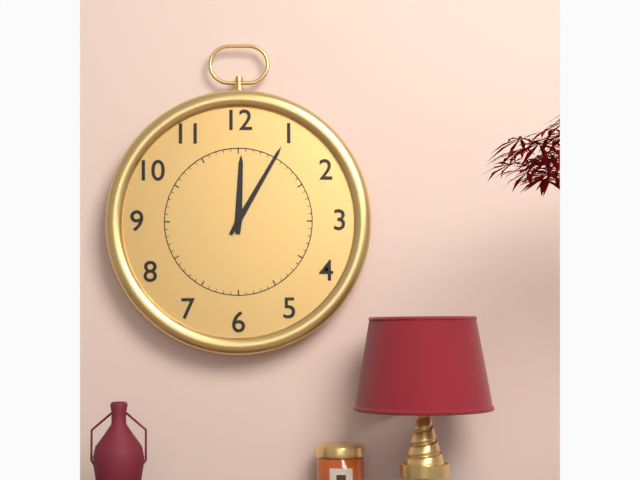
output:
12.05
